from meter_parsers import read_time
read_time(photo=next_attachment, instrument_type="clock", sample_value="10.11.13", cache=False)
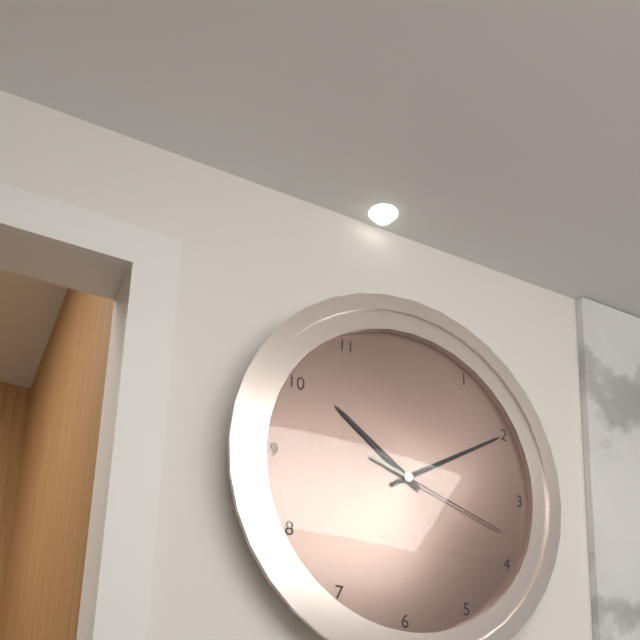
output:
10.10.18
